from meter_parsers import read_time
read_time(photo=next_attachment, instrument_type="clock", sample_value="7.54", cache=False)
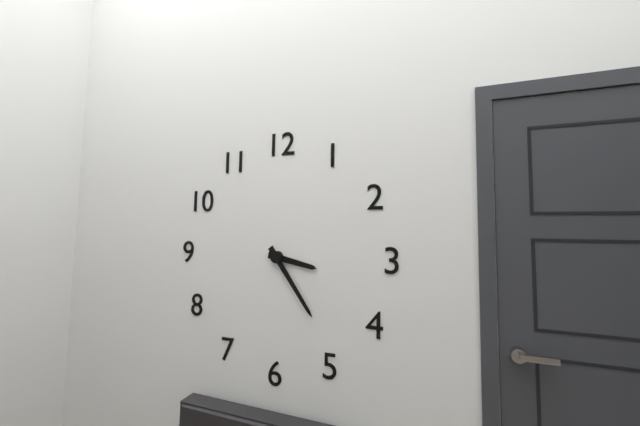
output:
3.24
